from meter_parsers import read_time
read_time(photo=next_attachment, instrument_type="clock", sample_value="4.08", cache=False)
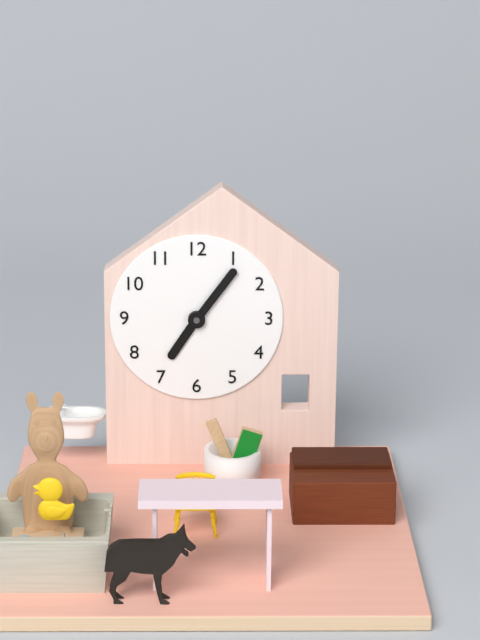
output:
7.06
